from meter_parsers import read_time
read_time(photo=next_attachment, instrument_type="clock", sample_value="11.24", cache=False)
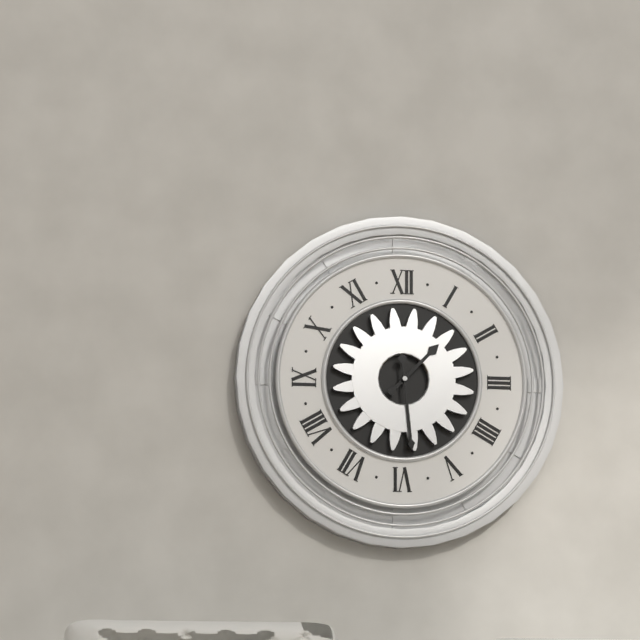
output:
1.29
